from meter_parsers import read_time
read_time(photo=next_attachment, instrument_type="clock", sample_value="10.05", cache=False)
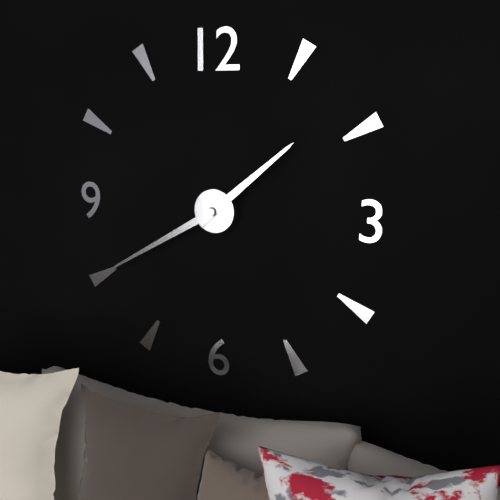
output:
1.40
